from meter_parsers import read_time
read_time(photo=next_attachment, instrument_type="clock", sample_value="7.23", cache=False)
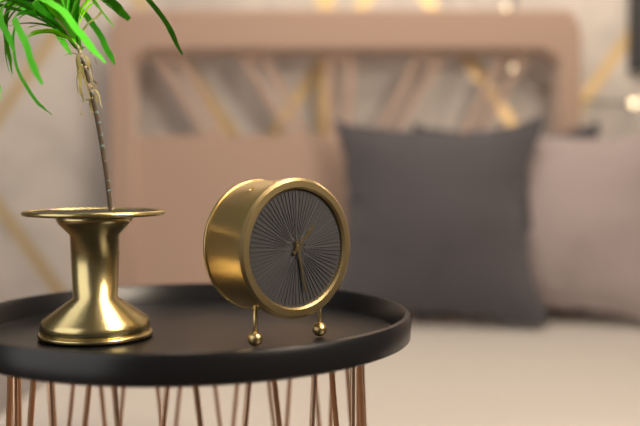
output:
1.28
